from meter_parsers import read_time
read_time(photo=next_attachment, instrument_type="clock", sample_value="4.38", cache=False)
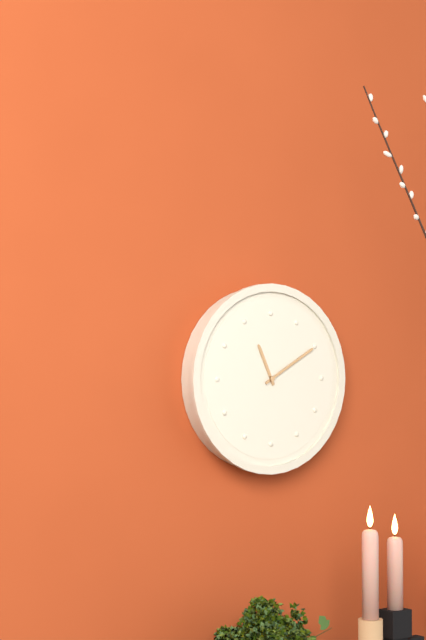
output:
11.10
